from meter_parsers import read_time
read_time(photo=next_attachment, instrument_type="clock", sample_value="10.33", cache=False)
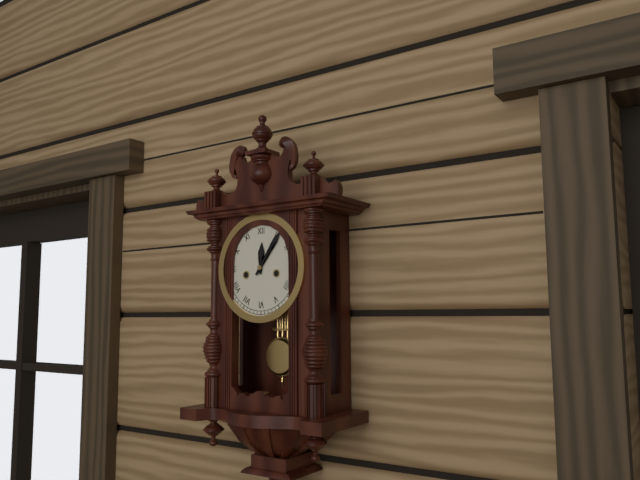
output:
12.06
